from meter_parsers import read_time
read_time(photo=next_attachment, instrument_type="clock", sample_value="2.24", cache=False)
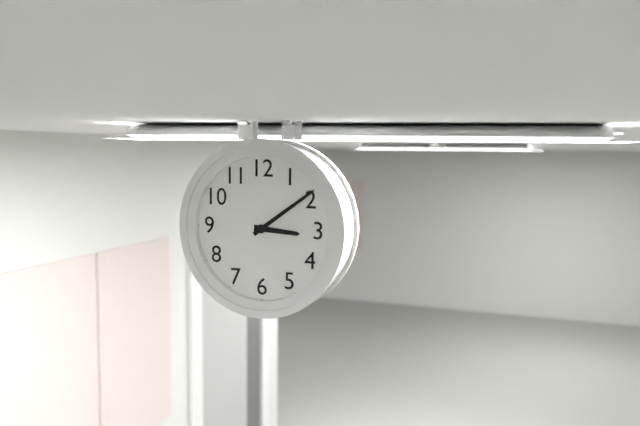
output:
3.09
